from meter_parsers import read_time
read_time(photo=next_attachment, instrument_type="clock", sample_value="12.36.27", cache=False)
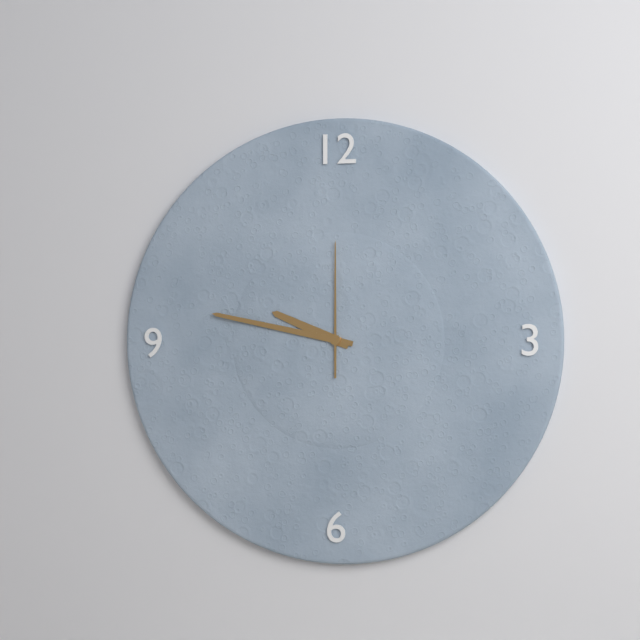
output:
9.47.00
